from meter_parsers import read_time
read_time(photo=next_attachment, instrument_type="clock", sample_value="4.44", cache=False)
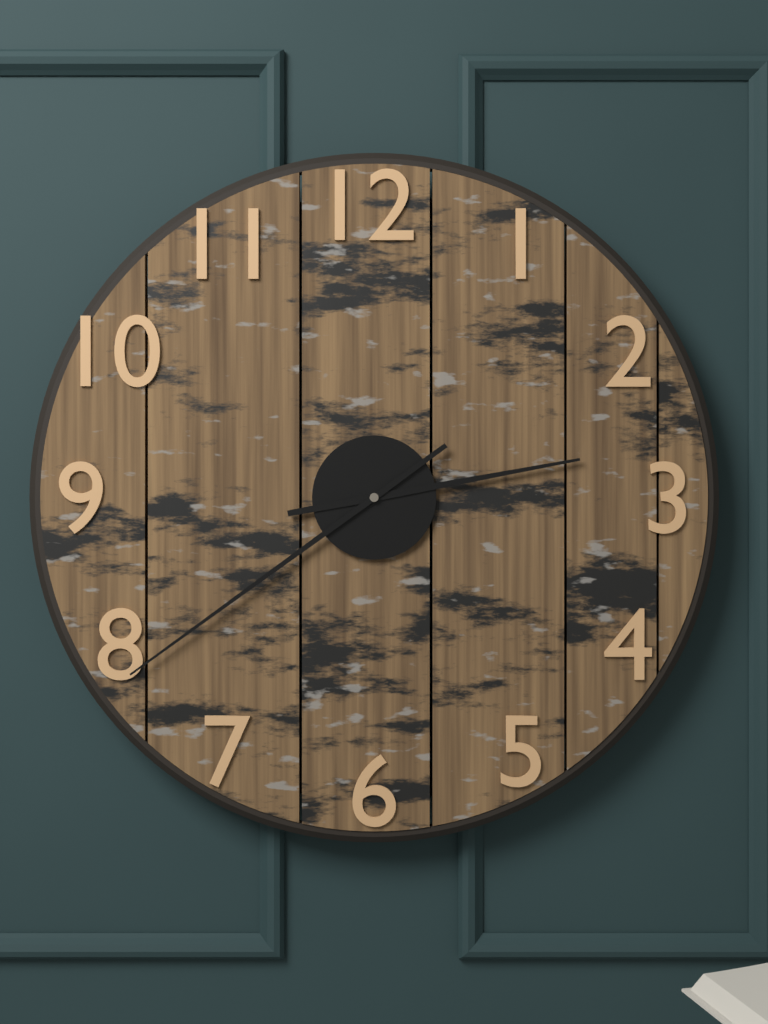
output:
2.39
